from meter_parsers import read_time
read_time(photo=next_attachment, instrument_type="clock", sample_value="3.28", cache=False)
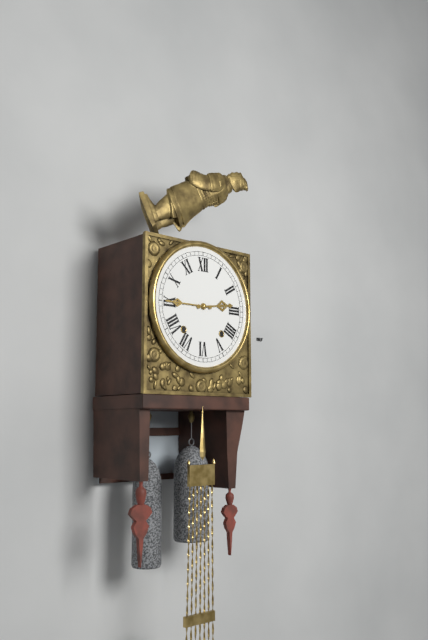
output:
2.45
